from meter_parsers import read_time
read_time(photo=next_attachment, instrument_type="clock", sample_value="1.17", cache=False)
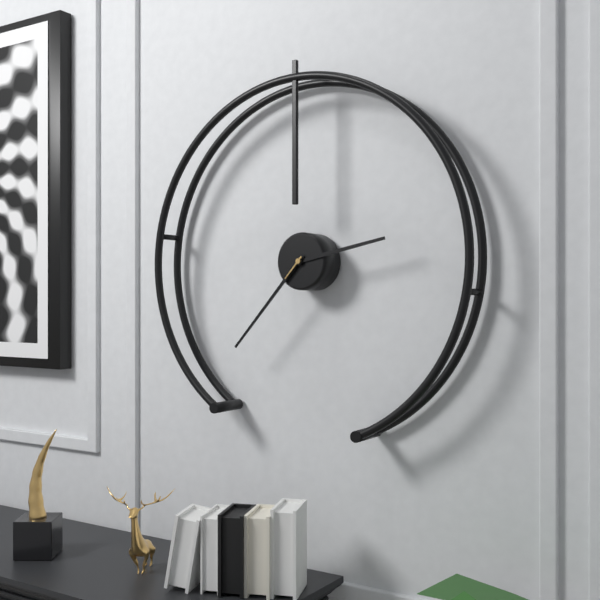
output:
2.37
